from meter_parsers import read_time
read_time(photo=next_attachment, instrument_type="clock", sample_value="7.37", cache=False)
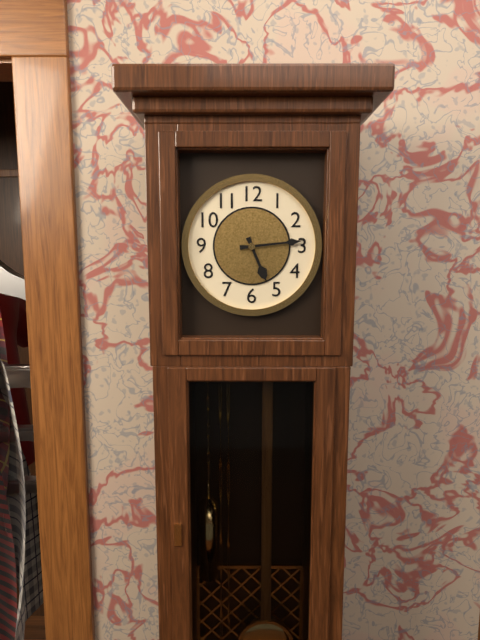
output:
5.14
